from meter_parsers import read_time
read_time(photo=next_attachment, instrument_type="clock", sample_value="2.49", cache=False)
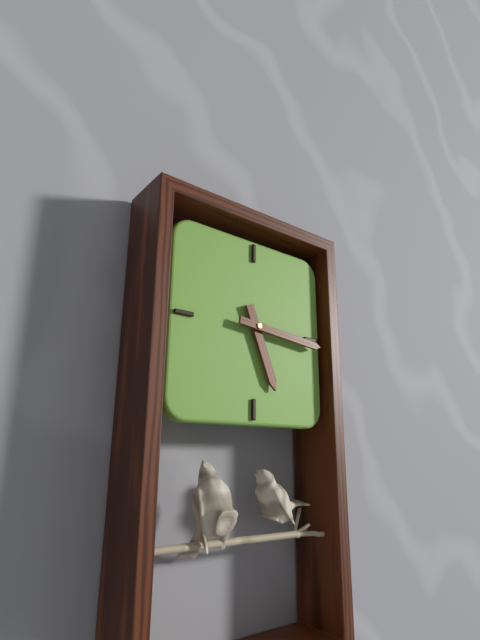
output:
5.16
